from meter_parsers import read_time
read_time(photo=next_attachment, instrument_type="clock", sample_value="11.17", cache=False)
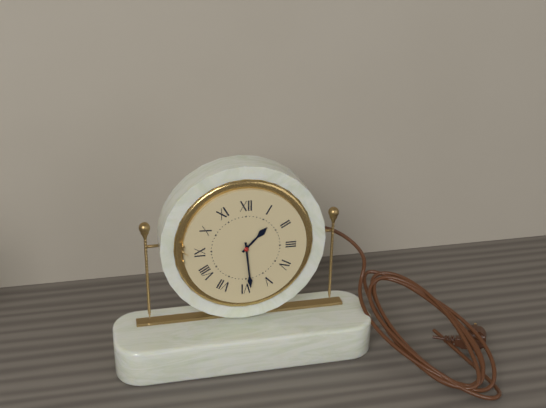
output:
1.29
